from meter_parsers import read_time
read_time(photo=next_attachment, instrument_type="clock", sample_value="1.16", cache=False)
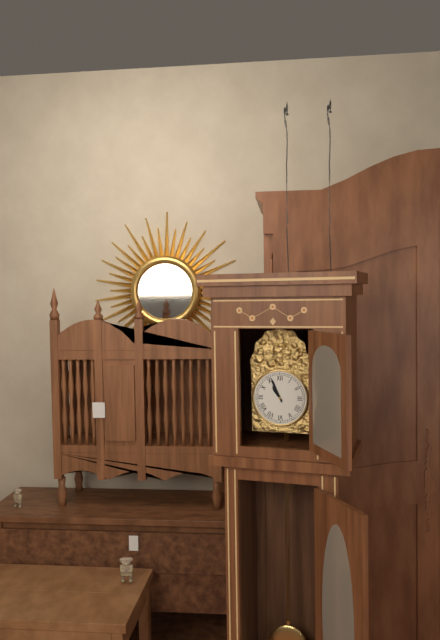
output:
10.56
